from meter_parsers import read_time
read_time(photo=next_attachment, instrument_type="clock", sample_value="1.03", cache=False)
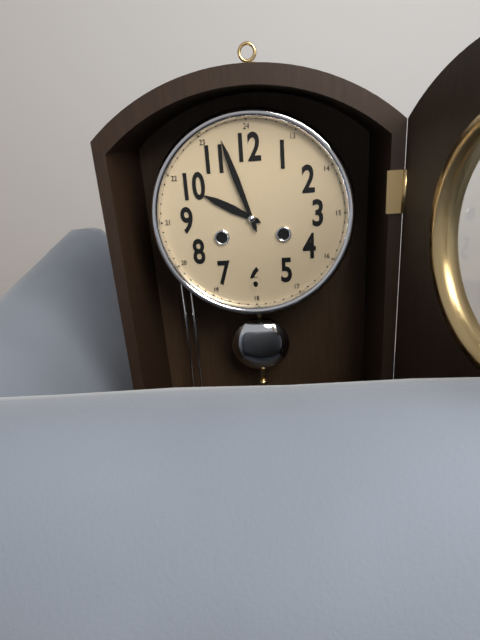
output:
9.57
